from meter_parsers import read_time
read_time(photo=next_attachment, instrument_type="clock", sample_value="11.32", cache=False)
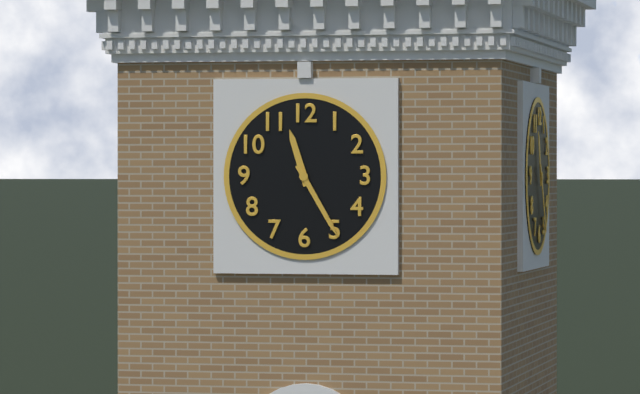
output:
11.25
